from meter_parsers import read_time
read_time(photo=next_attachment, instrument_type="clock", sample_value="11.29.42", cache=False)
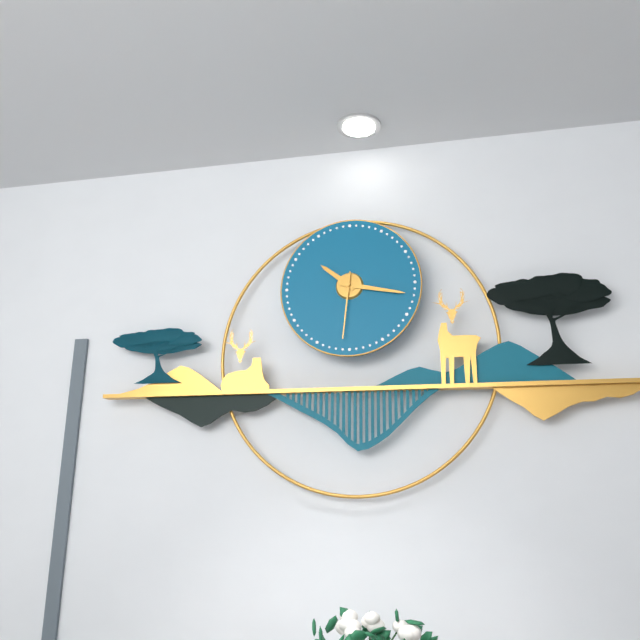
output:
10.17.31
